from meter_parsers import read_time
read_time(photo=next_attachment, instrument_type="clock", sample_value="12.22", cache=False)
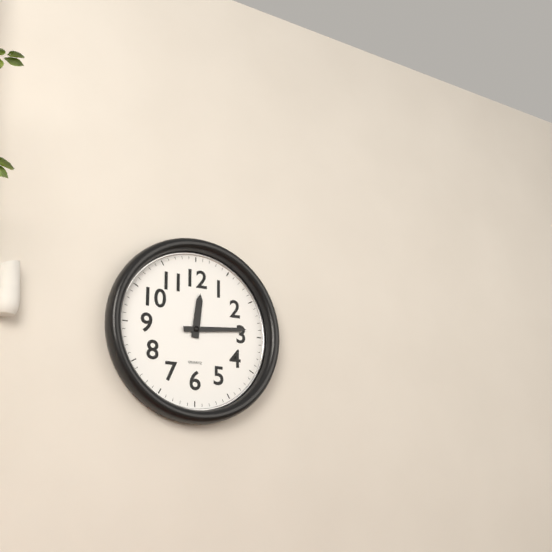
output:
12.14
